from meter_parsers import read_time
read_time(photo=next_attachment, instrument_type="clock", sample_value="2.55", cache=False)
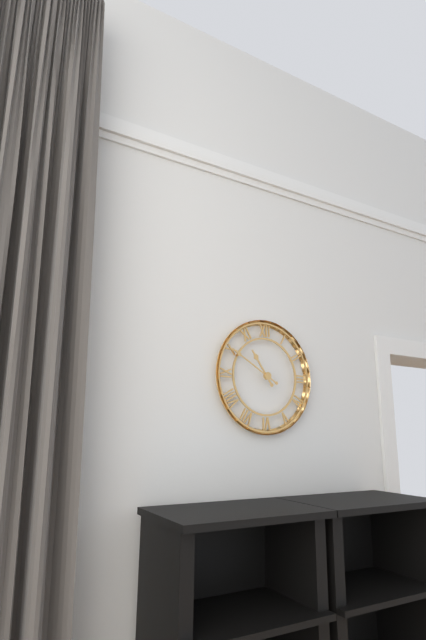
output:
10.50
